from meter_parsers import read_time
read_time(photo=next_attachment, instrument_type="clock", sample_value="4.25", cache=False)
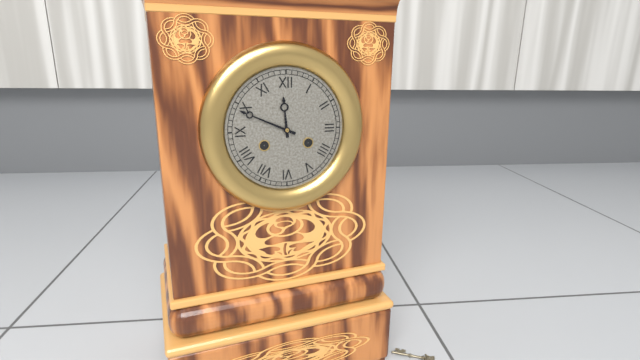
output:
11.49
